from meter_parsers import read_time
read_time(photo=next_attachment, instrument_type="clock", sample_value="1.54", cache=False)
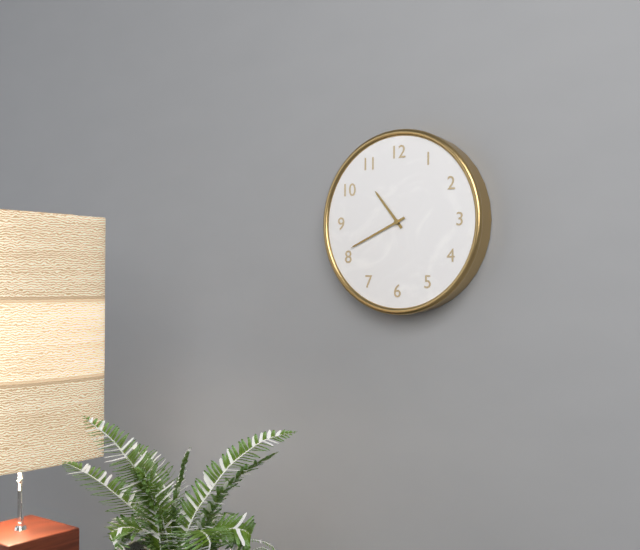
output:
10.41
